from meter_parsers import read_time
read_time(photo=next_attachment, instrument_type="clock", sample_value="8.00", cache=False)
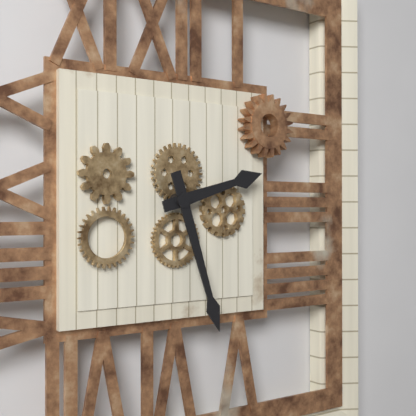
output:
2.27
